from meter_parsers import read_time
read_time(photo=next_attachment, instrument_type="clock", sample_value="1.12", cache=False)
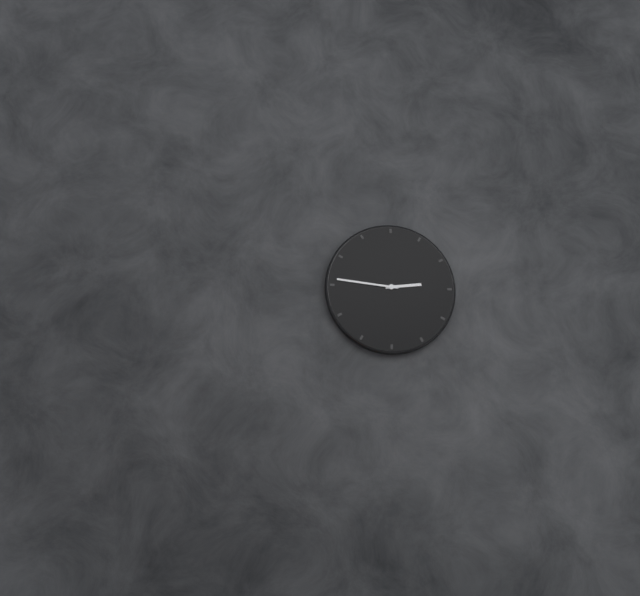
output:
2.46
